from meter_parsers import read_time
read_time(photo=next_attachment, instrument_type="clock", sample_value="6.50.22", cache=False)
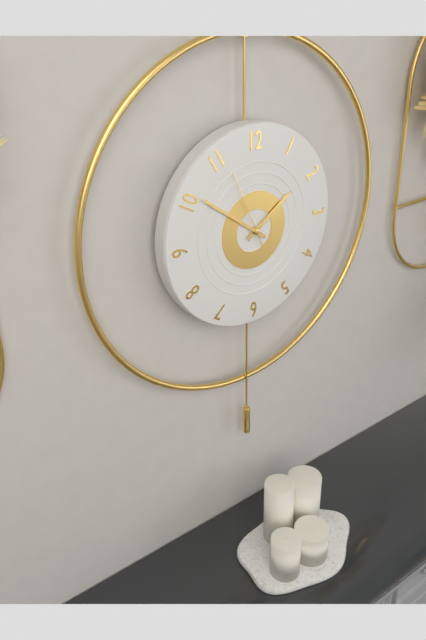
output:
1.51.56
